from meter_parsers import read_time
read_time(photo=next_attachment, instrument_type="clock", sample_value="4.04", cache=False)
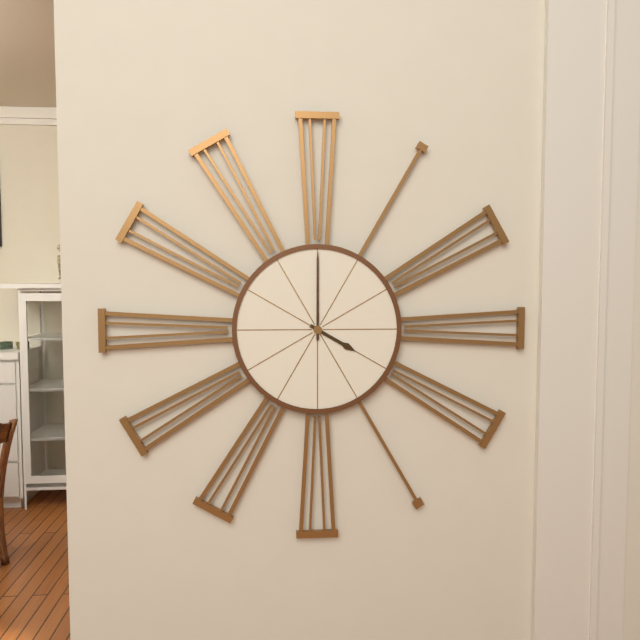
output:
4.00
